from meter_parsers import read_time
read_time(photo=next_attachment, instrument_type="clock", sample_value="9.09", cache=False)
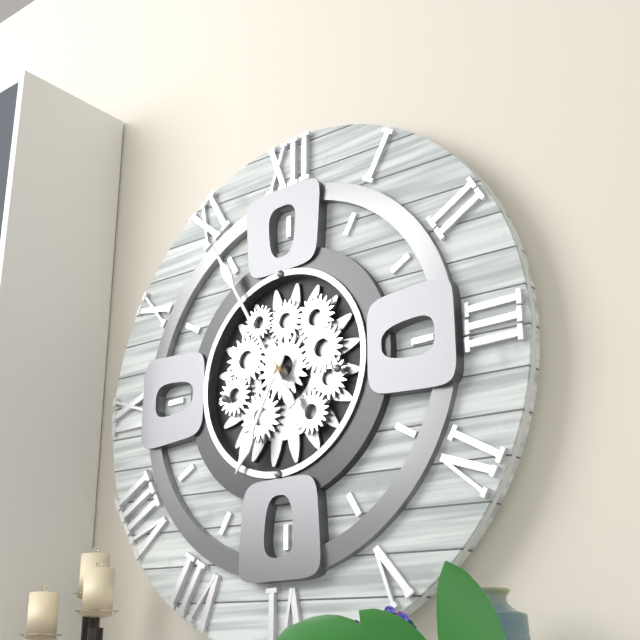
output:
6.55
